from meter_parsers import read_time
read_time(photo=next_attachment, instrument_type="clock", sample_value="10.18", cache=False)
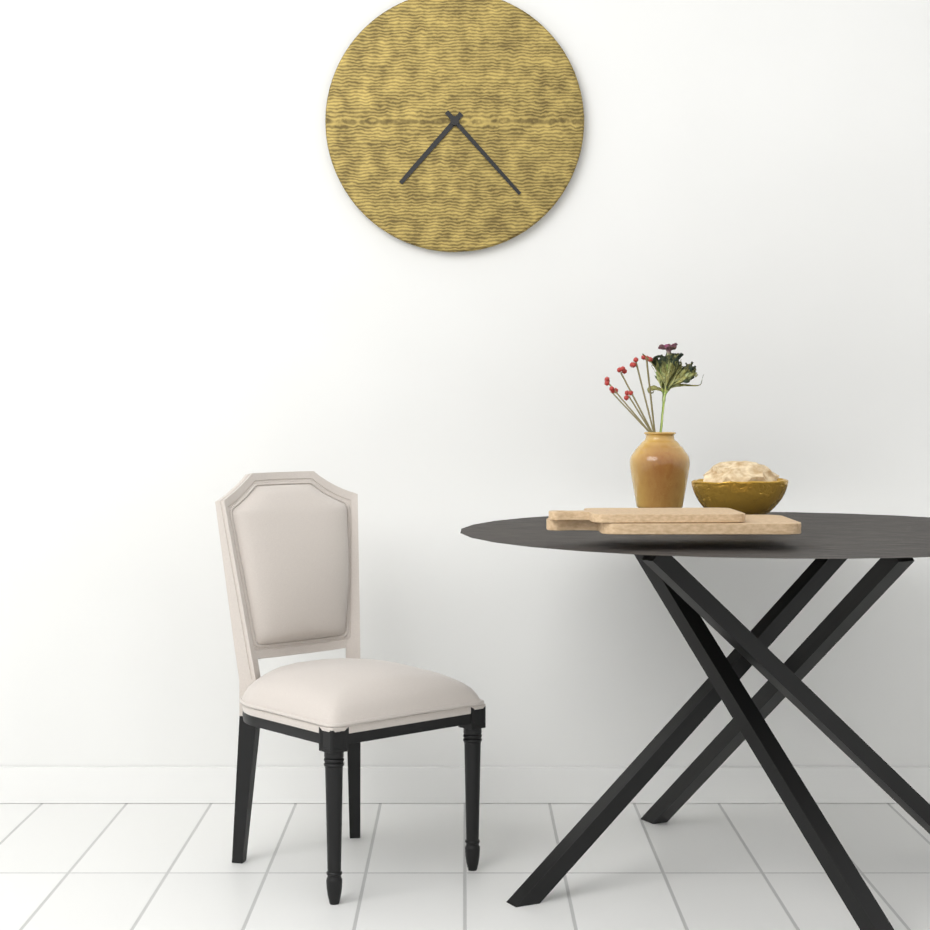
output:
7.23
